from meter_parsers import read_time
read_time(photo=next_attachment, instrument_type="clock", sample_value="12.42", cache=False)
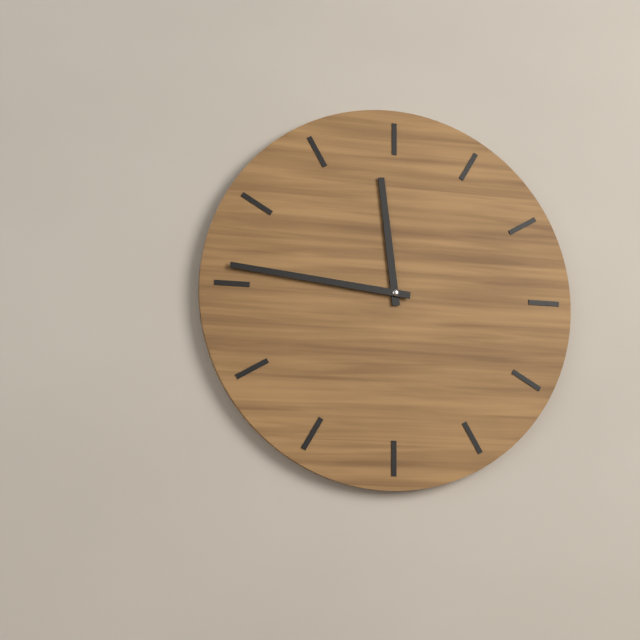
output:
11.46
